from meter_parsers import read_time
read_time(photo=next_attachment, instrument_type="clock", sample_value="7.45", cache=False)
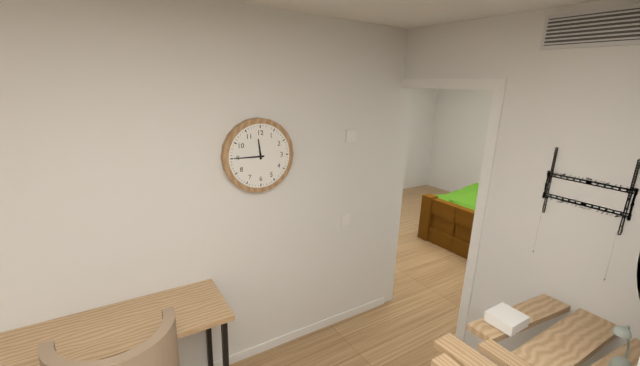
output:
11.45
